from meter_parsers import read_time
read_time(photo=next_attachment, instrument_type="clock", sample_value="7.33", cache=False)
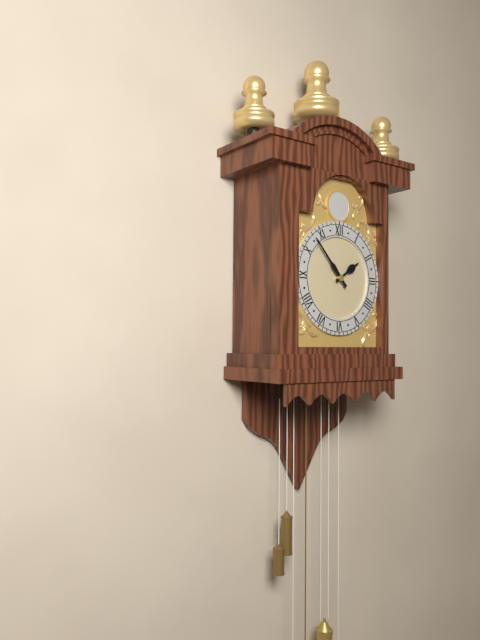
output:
1.53
